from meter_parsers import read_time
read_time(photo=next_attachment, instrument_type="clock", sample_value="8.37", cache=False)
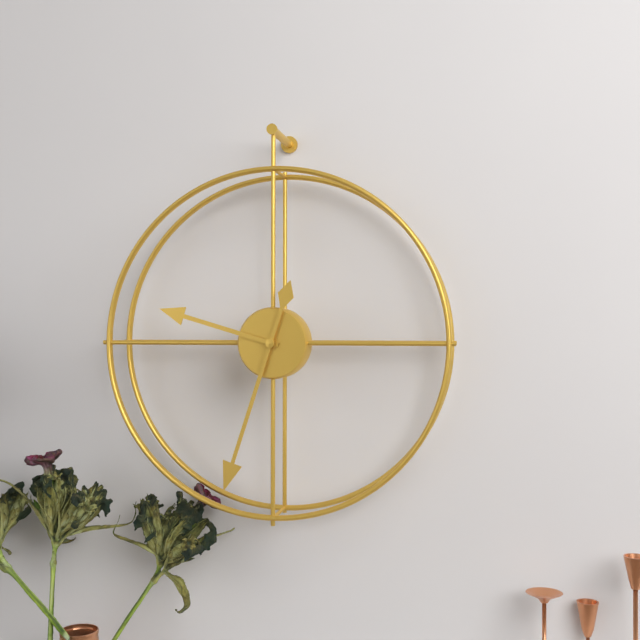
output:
9.33
